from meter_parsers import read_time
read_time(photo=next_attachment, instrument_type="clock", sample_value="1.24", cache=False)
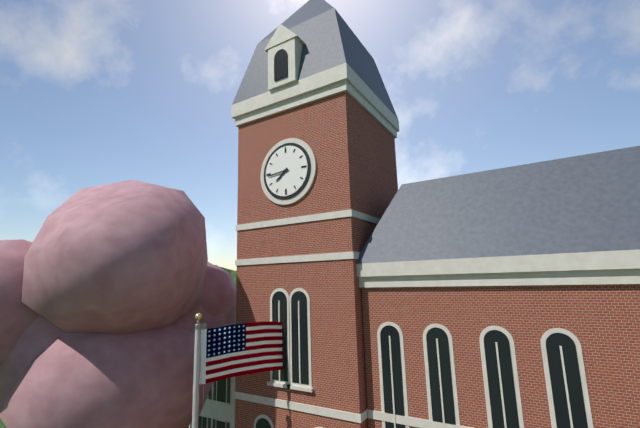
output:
7.44
